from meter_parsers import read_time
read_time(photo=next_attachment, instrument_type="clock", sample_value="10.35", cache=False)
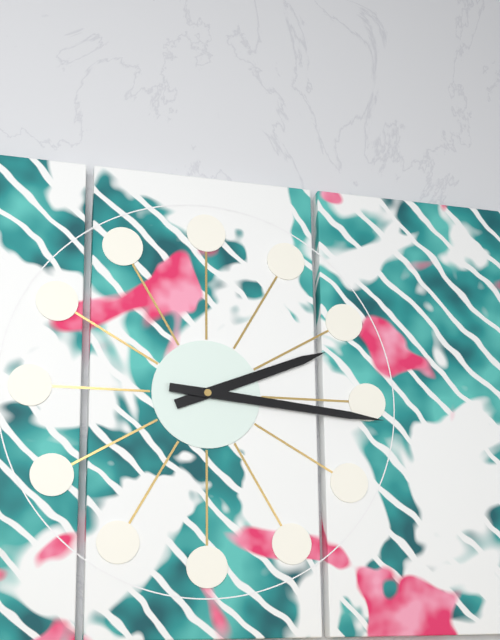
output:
2.16
